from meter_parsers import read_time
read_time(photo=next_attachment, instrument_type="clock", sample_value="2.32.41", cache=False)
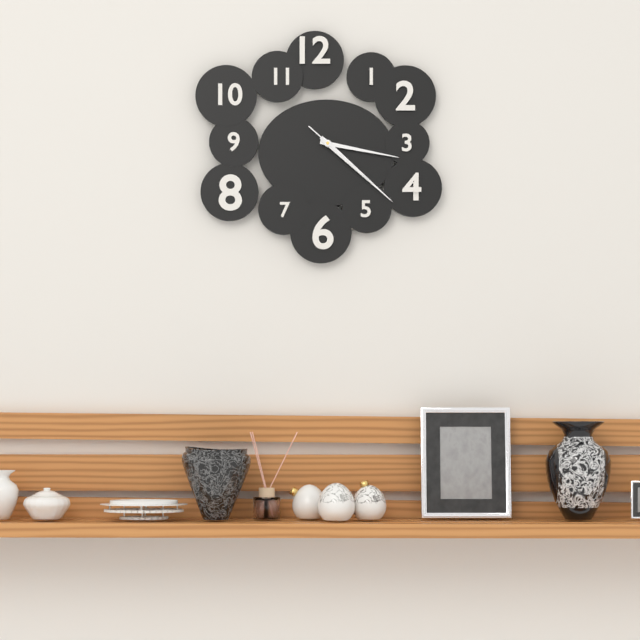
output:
3.22.22
